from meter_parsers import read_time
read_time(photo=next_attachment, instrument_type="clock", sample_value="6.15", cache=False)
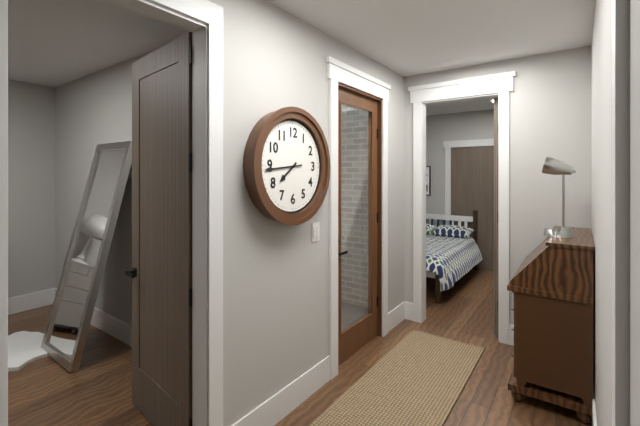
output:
7.44
